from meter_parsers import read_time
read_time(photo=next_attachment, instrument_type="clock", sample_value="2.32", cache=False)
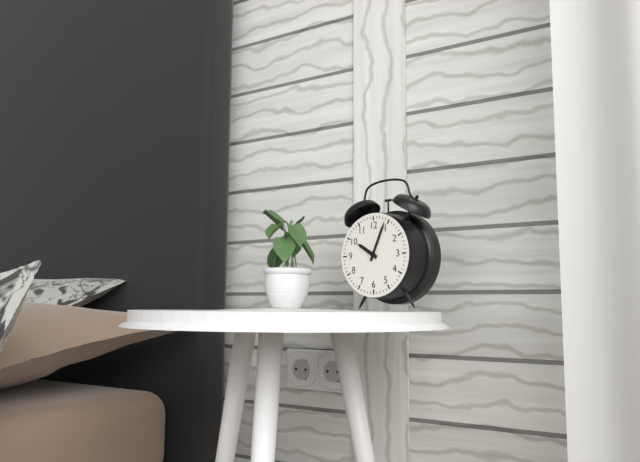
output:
10.04
